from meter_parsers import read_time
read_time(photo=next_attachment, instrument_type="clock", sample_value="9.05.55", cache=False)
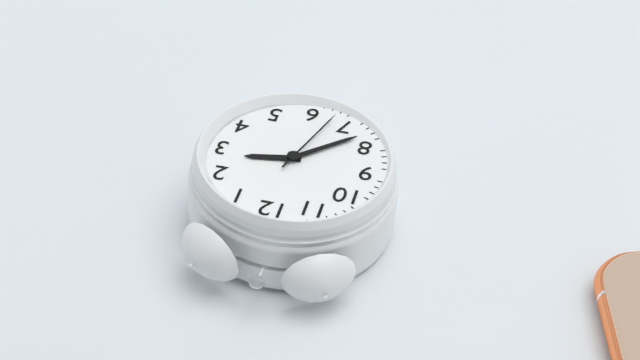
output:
2.38.33
